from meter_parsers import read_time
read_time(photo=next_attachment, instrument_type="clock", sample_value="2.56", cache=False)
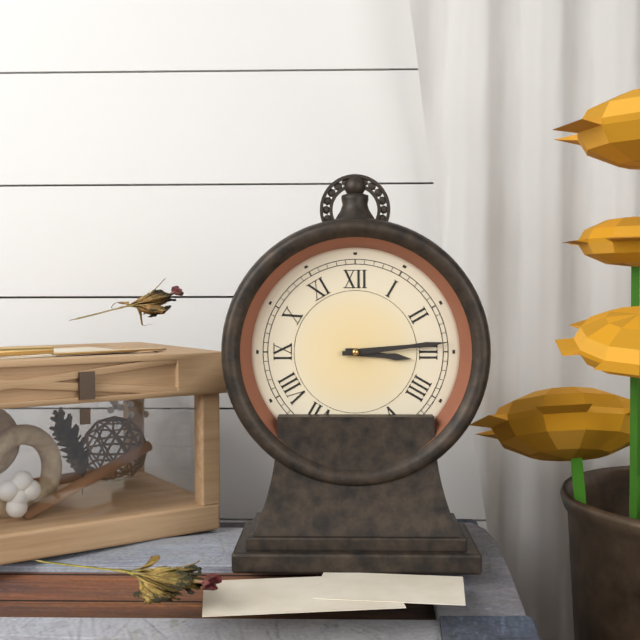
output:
3.14
